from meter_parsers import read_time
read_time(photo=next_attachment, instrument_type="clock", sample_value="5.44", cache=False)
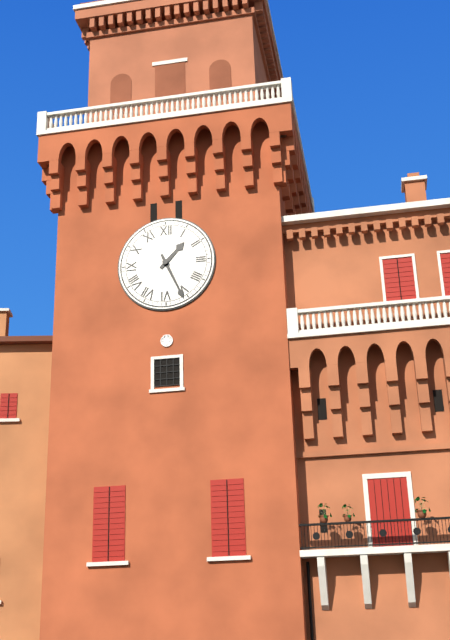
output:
1.26
